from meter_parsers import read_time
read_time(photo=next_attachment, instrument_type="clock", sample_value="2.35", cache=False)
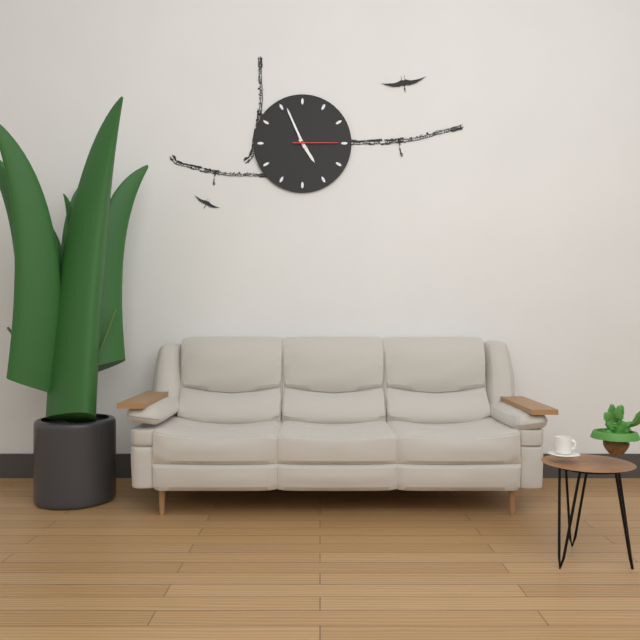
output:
4.56
